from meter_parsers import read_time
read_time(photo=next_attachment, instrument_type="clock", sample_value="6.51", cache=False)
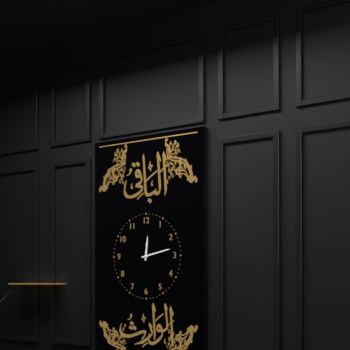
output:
12.13
